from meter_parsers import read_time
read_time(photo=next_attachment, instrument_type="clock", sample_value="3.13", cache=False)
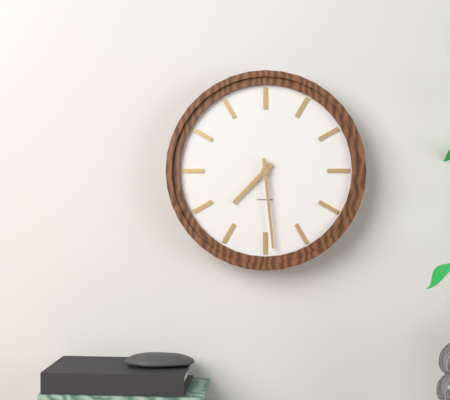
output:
7.29
